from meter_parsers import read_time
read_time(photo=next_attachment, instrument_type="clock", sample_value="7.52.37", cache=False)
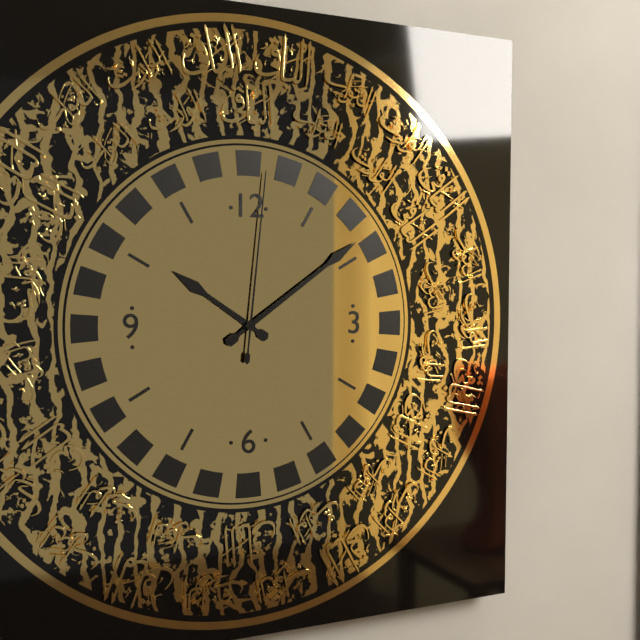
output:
10.09.01
